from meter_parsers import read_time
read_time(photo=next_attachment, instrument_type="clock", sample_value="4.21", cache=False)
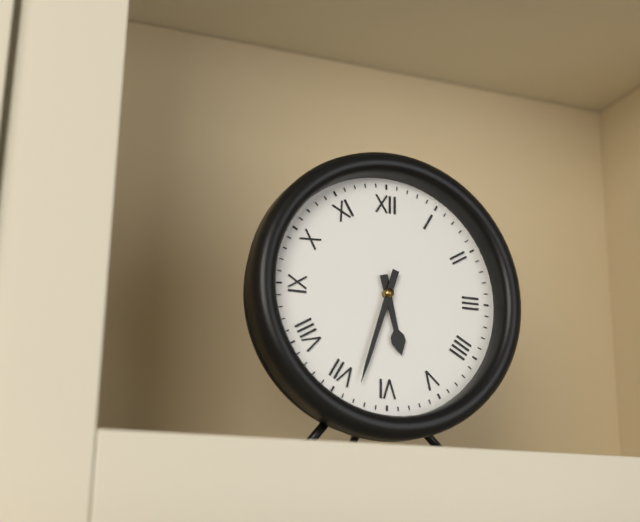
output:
5.33
